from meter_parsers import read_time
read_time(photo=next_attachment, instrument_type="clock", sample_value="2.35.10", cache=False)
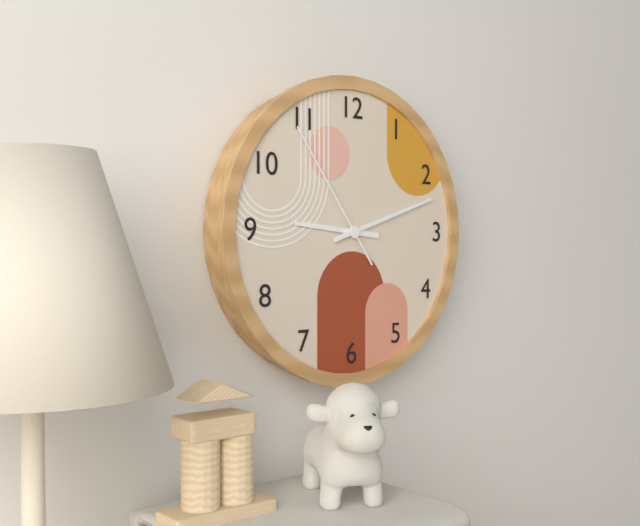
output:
9.12.54
